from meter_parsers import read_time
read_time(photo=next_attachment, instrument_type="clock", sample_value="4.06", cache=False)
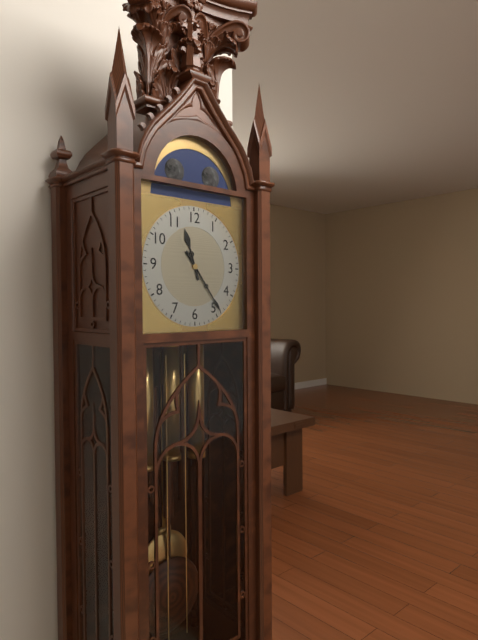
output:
11.24
